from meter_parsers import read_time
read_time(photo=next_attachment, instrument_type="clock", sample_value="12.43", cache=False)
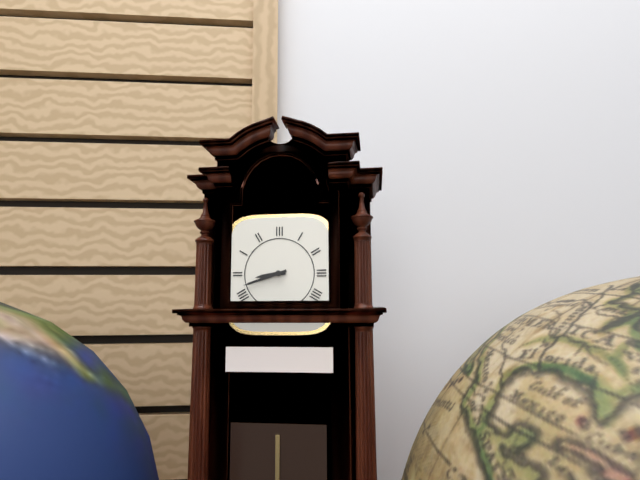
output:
8.42
